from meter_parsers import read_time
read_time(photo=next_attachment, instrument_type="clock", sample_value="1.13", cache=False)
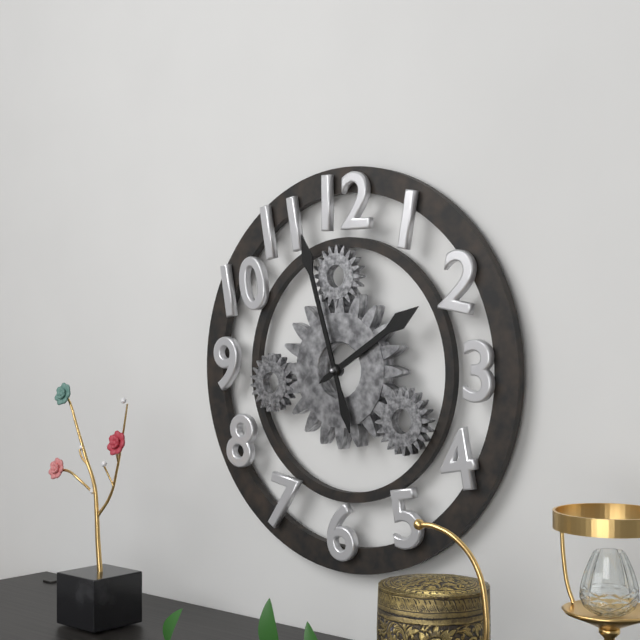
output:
1.57
